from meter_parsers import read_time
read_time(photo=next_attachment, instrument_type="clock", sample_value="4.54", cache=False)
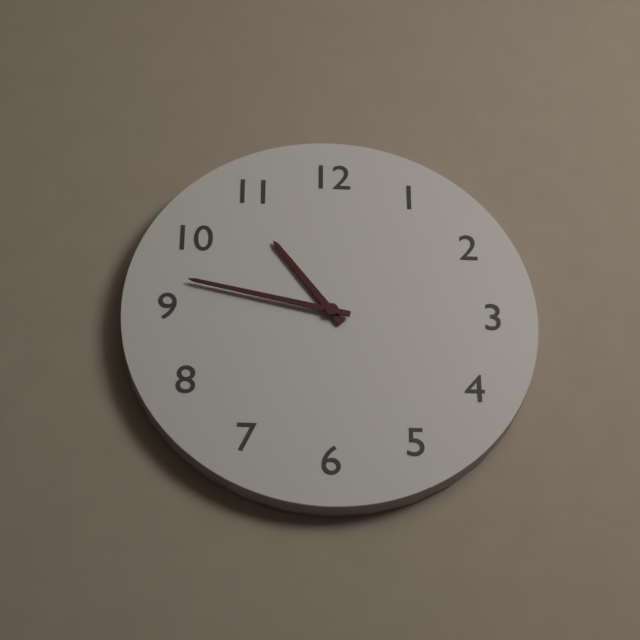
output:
10.47
